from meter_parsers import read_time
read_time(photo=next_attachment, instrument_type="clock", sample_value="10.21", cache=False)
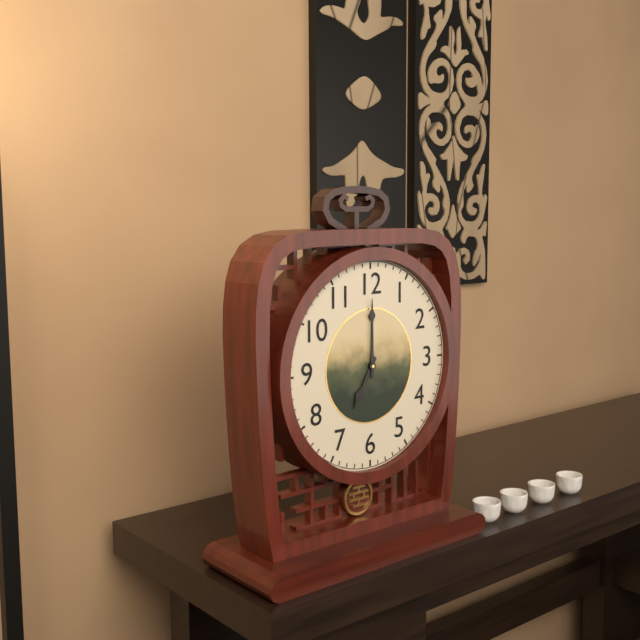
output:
7.00
